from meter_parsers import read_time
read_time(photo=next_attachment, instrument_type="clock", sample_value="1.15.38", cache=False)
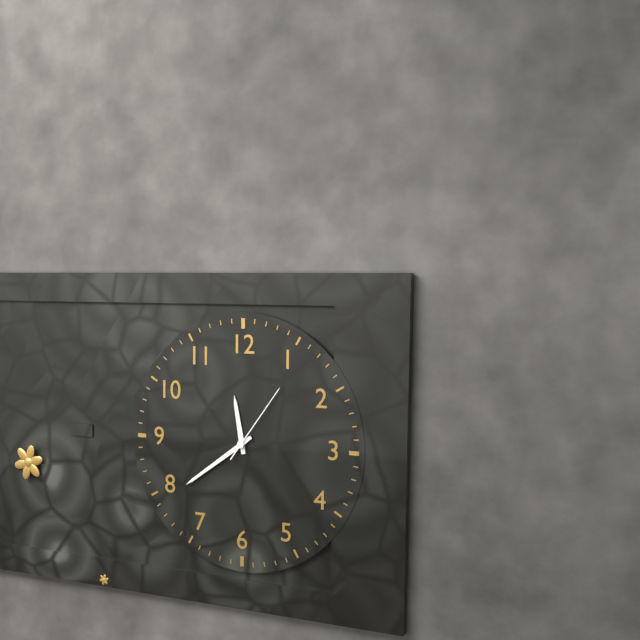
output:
11.39.06
